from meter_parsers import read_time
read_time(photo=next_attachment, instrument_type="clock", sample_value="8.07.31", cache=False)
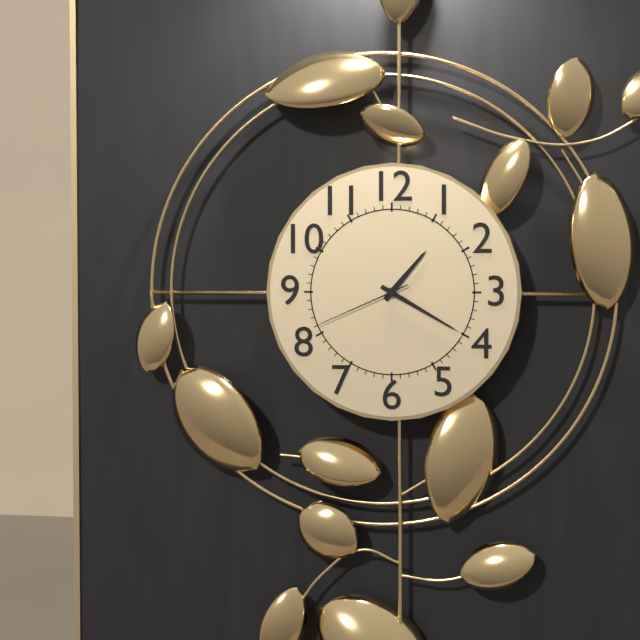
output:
1.20.41
